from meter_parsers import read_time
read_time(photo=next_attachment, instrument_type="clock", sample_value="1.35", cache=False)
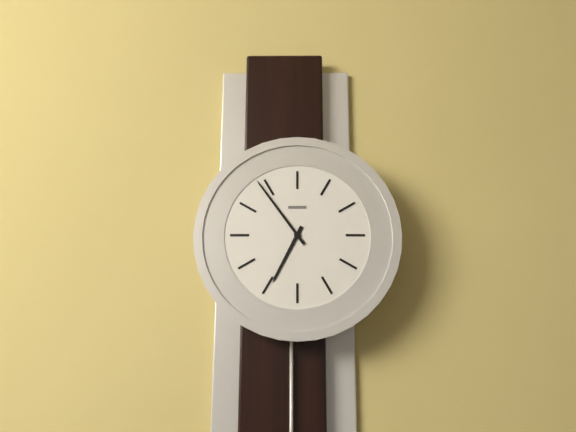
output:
6.54
